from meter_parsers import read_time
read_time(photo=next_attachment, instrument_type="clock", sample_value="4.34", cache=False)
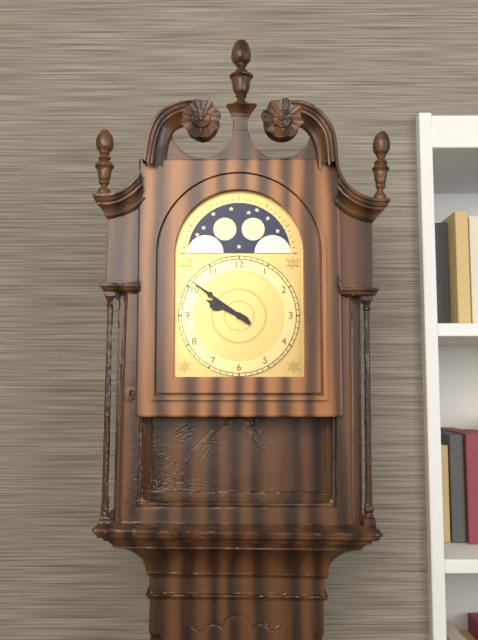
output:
9.51
